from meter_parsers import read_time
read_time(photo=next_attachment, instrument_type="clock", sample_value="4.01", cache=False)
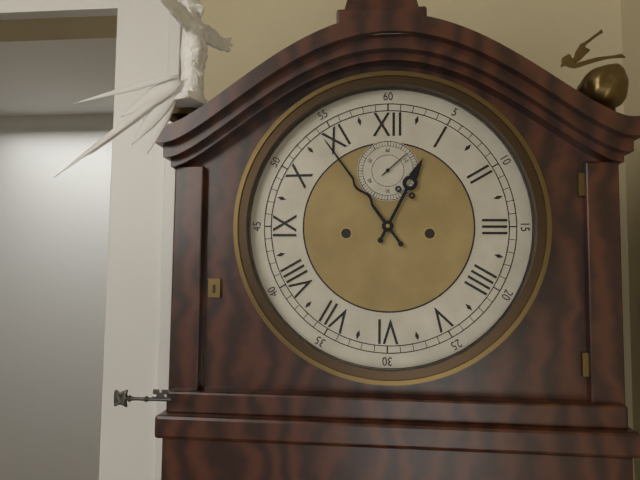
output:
12.54
